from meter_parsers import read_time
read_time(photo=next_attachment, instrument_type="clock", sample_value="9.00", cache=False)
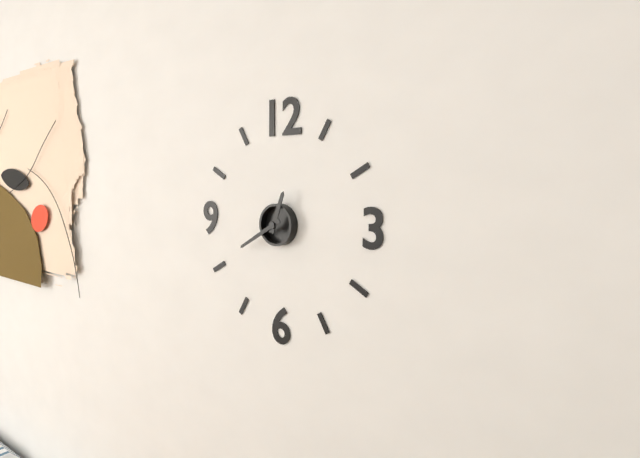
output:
12.40
